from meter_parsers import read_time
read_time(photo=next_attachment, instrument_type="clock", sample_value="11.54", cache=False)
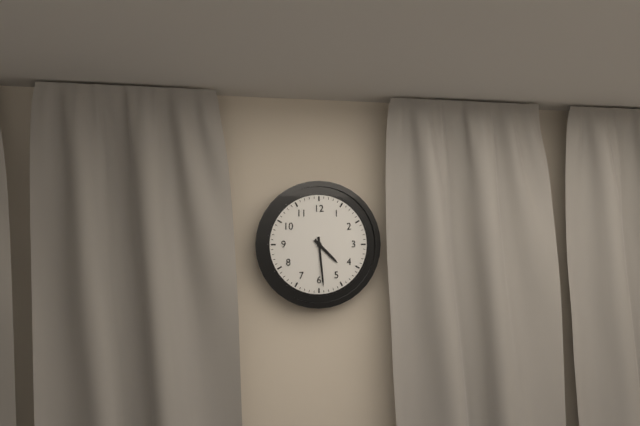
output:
4.29
